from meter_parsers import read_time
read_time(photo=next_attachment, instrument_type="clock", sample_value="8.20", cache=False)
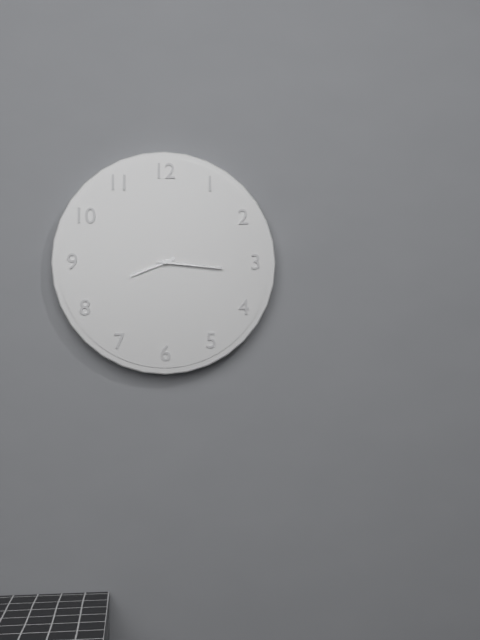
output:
8.16
